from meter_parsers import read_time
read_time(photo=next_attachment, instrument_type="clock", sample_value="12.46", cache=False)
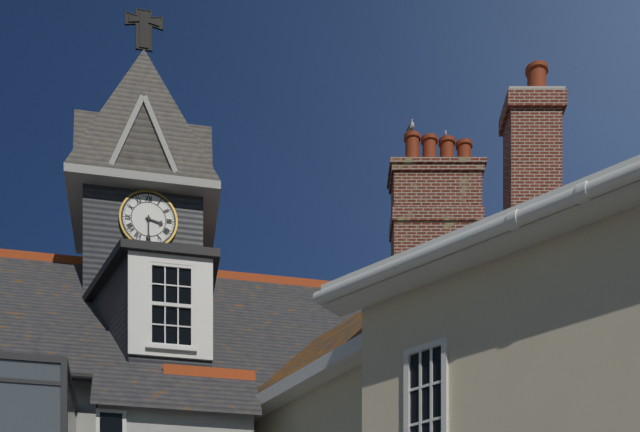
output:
3.30
